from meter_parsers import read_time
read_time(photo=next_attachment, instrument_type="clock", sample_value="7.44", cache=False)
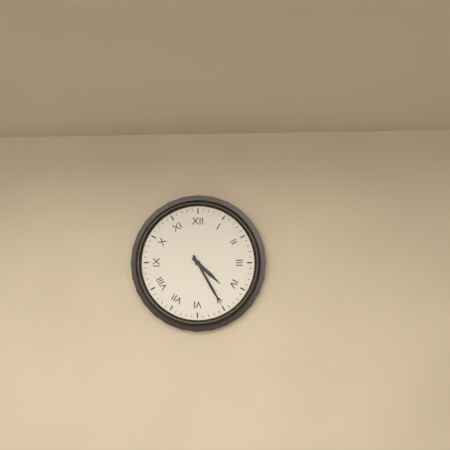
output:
4.25
